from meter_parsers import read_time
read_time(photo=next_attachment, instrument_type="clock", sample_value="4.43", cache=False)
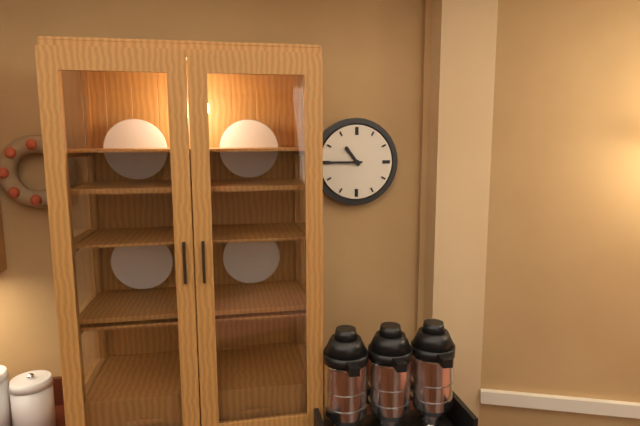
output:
10.45
